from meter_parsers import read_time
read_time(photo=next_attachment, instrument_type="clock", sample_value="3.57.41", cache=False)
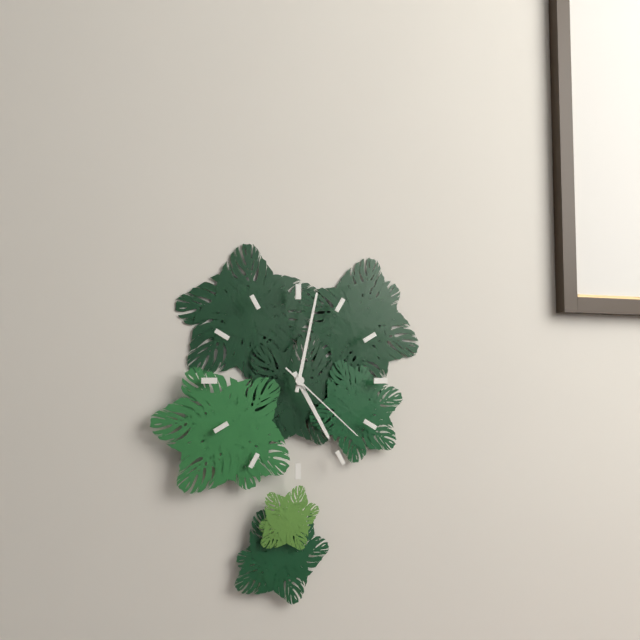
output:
5.02.22
